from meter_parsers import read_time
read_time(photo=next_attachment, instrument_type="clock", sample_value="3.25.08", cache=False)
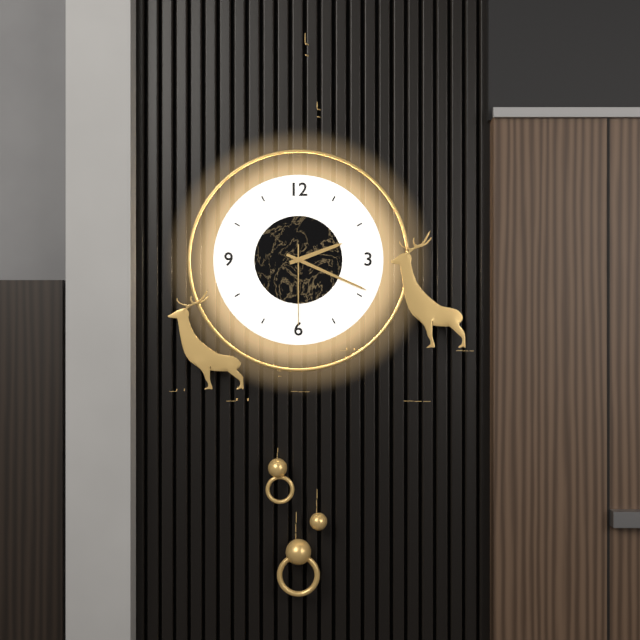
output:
2.19.30
